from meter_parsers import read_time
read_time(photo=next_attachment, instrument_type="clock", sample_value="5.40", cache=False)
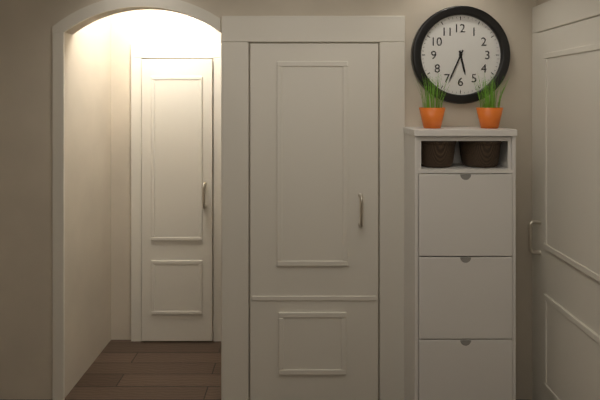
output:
5.34
